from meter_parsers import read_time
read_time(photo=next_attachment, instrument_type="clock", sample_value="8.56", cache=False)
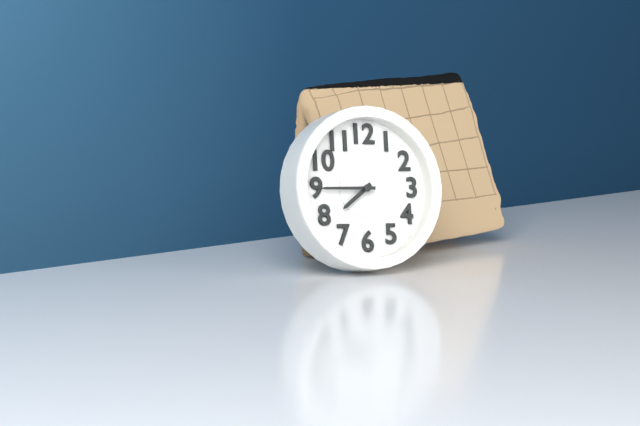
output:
7.45
